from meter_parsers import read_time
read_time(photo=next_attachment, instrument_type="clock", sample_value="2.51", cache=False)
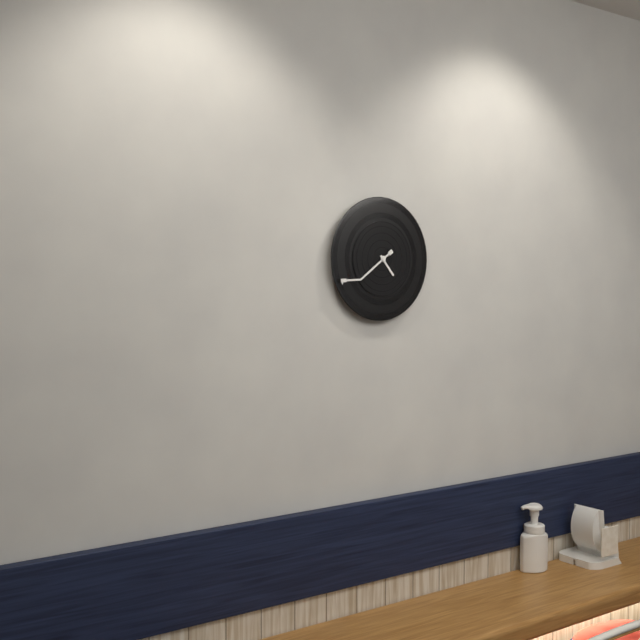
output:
4.39
